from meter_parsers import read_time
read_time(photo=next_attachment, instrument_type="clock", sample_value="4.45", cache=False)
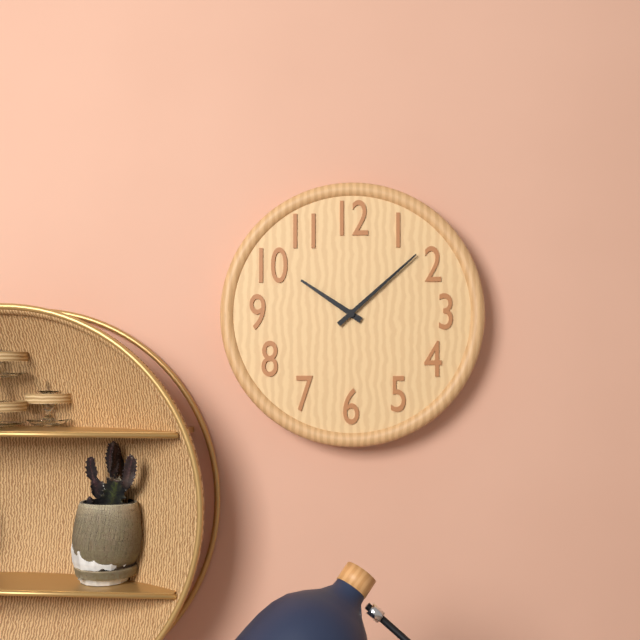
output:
10.08
